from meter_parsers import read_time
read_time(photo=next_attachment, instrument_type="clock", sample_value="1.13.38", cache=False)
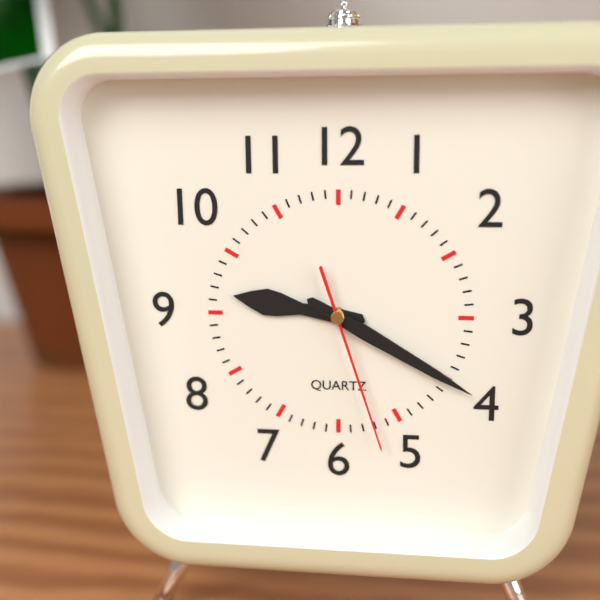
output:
9.20.27
